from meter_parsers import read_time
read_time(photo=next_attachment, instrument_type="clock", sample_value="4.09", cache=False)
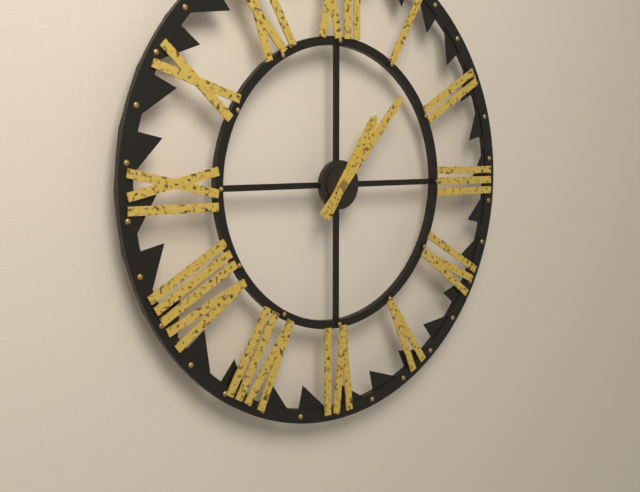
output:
1.07
